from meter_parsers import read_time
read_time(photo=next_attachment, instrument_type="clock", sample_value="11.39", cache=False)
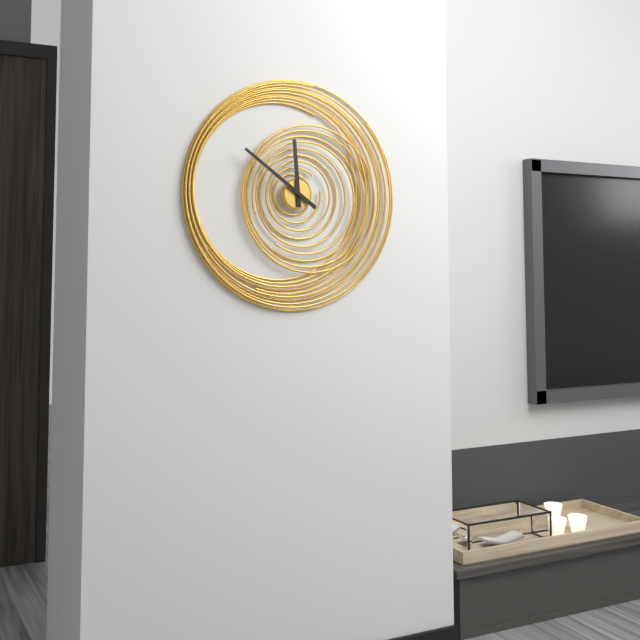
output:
11.51
